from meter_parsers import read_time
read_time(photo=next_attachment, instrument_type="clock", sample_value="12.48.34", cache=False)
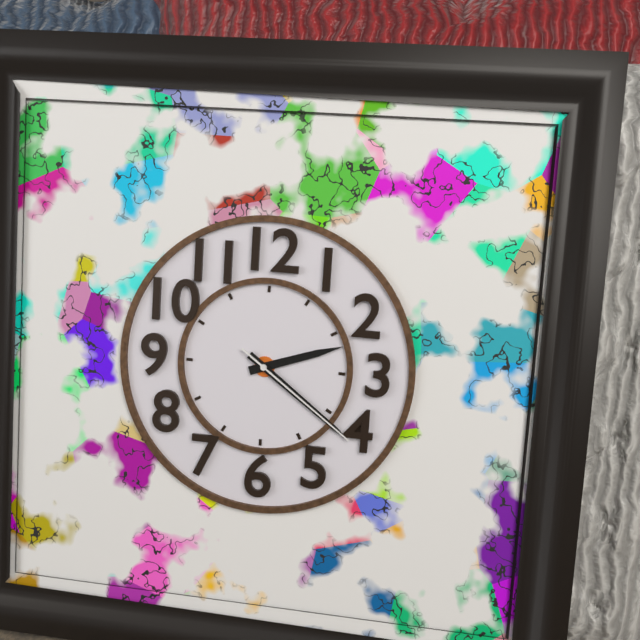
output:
2.21.21
